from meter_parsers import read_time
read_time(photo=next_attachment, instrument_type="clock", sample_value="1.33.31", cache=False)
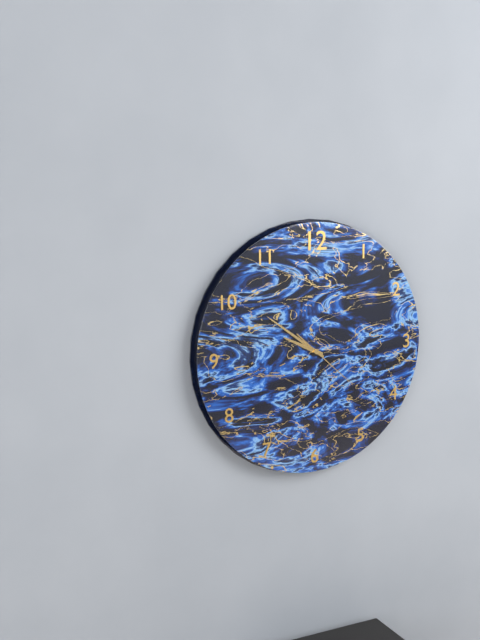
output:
9.51.22
